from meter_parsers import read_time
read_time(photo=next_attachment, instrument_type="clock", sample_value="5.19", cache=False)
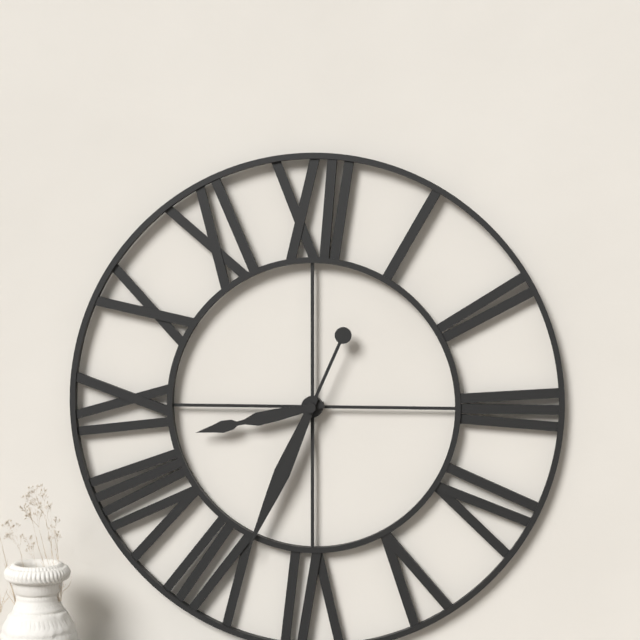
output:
8.34
